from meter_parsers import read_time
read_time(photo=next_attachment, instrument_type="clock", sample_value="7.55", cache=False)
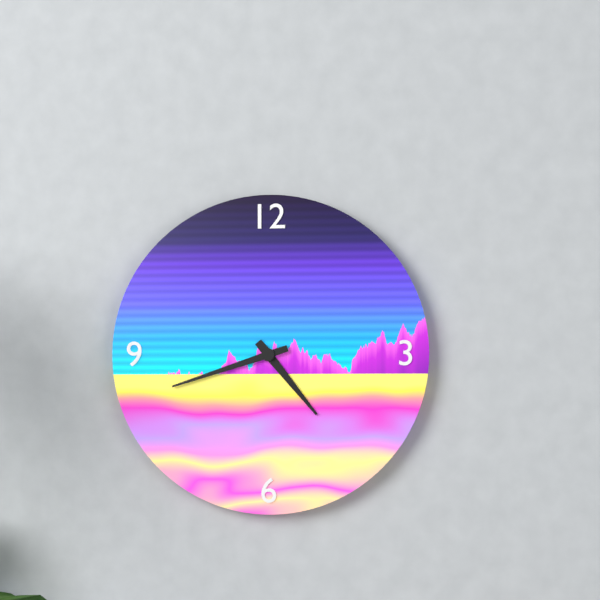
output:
4.42
